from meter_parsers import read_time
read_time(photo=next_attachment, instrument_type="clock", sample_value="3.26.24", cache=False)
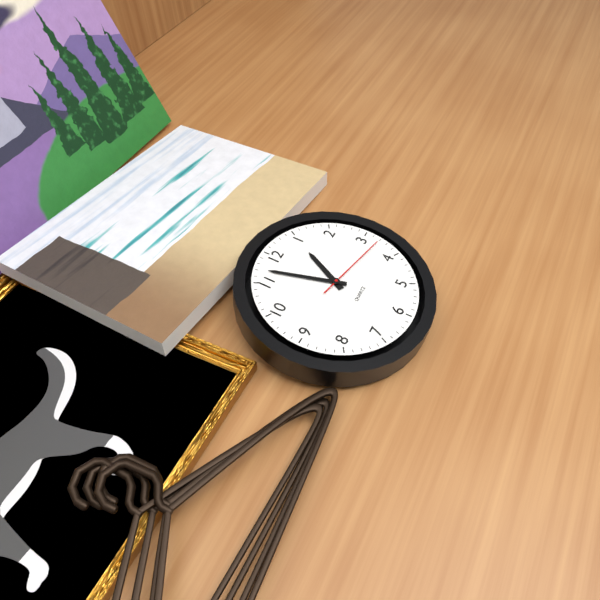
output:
12.57.17
